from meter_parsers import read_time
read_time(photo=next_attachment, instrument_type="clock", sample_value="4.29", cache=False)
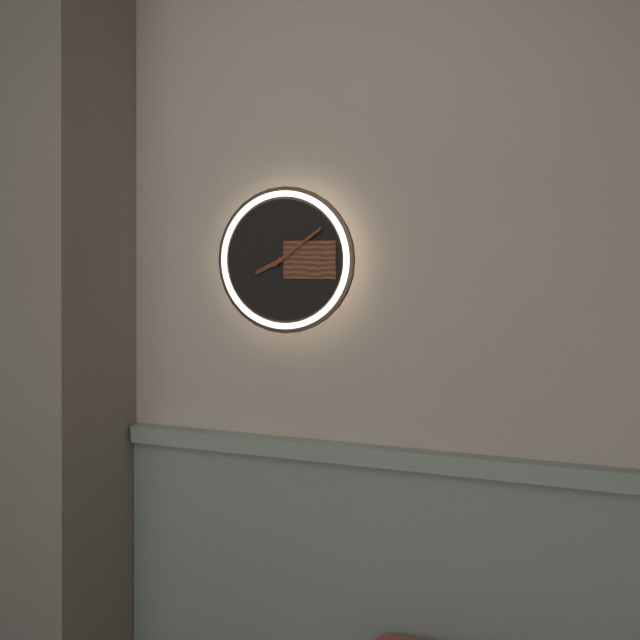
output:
8.09
